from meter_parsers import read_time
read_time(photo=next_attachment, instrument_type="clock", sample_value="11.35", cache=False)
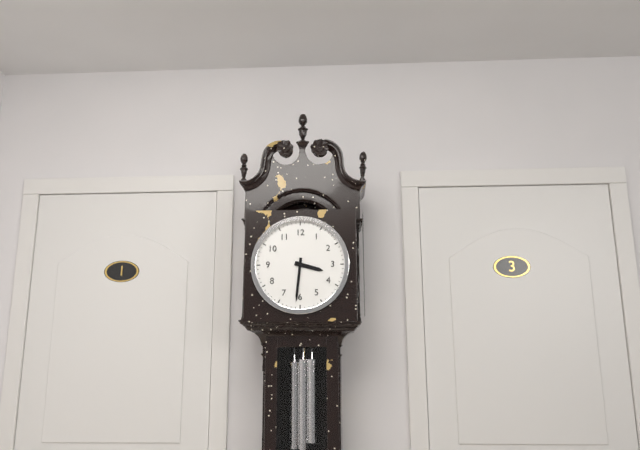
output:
3.31
